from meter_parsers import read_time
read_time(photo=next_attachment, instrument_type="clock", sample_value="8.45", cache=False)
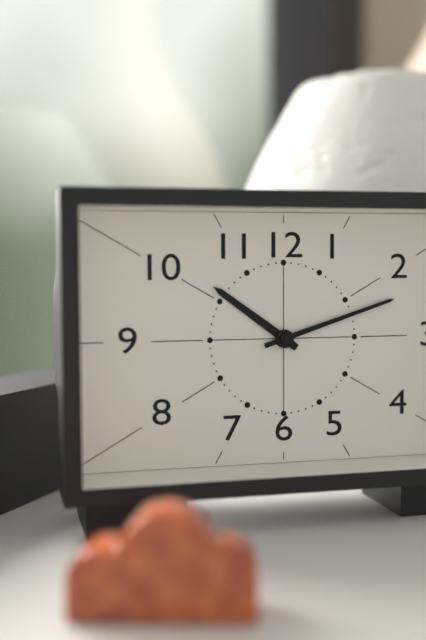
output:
10.12
